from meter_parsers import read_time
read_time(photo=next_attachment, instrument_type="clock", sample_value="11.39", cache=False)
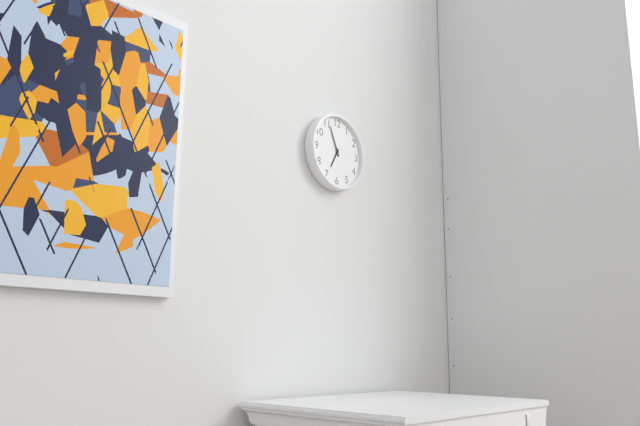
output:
6.56
